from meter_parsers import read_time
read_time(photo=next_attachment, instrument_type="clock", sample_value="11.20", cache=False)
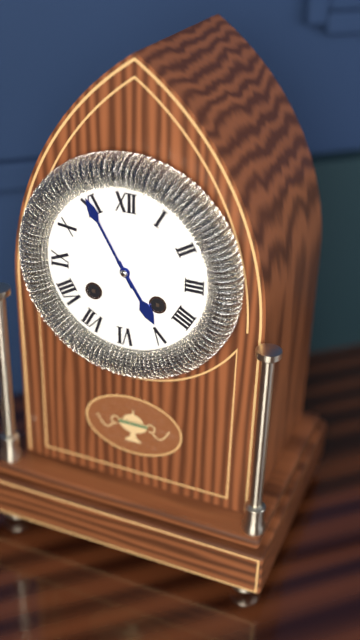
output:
4.55
